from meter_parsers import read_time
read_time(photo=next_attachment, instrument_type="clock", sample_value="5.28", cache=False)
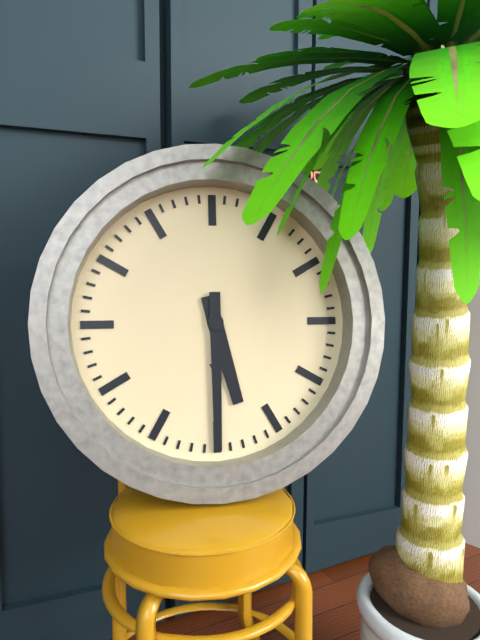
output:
5.30
